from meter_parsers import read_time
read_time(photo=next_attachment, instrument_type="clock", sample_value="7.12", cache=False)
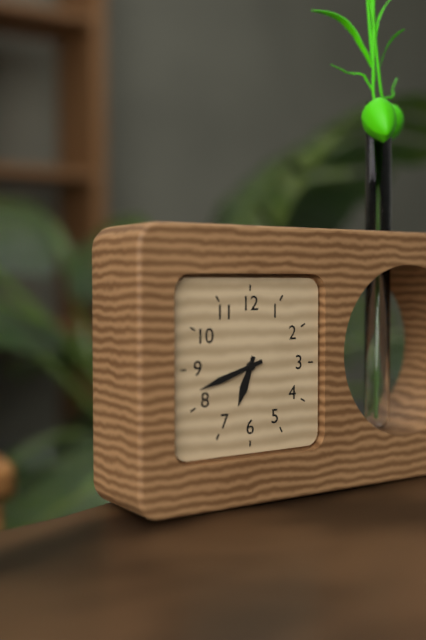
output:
6.42
